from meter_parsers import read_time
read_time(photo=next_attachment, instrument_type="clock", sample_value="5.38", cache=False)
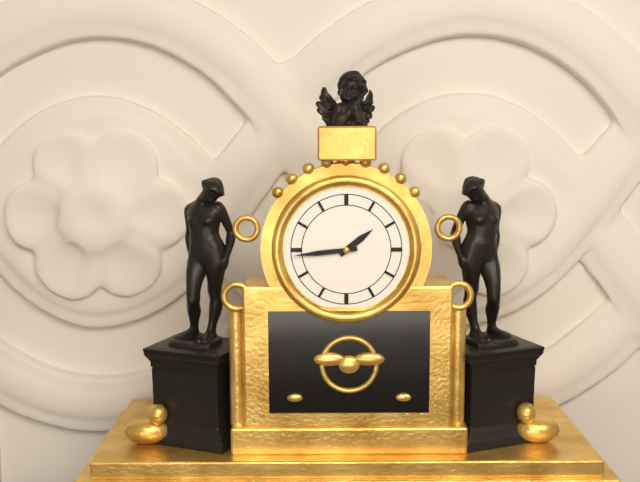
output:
1.44
